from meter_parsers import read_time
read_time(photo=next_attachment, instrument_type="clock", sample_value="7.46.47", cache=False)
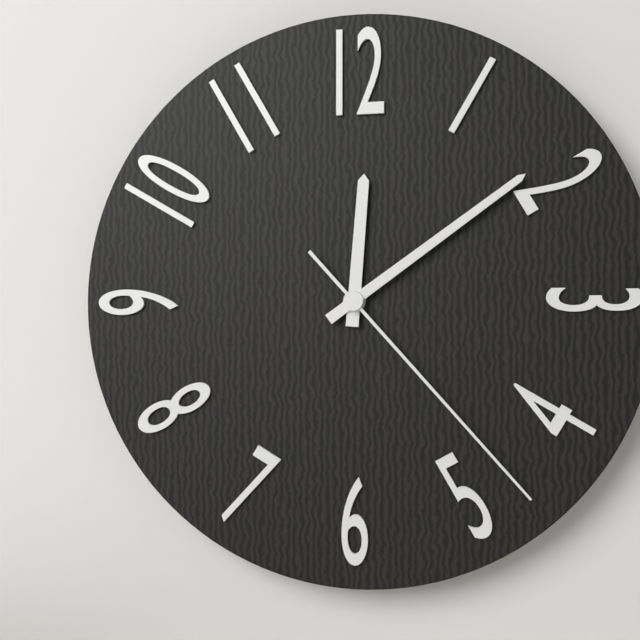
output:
12.09.23
